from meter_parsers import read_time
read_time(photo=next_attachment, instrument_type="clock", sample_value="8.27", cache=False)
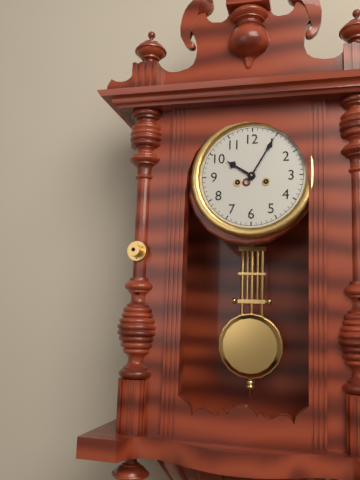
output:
10.05
